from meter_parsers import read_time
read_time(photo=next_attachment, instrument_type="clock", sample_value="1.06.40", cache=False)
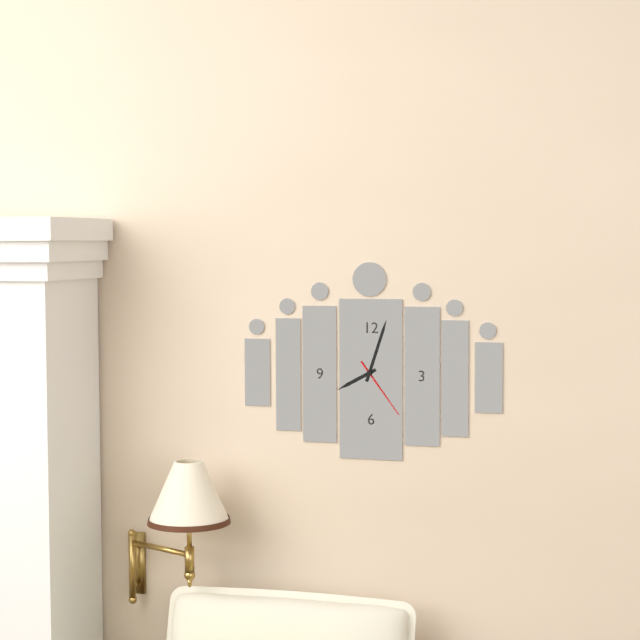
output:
8.03.24
